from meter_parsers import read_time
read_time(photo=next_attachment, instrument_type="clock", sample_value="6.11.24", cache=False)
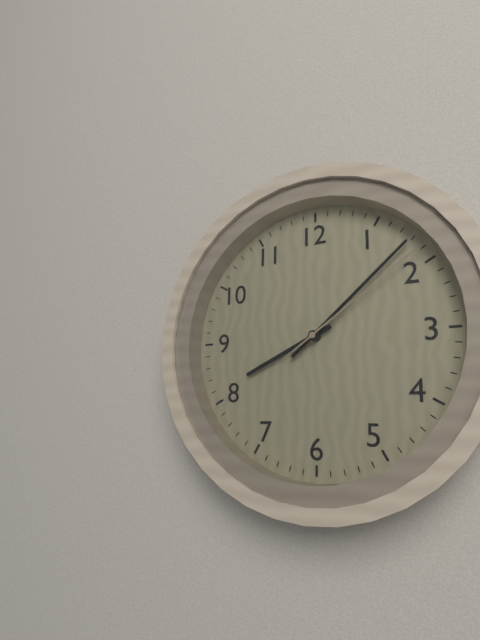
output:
8.08.09
